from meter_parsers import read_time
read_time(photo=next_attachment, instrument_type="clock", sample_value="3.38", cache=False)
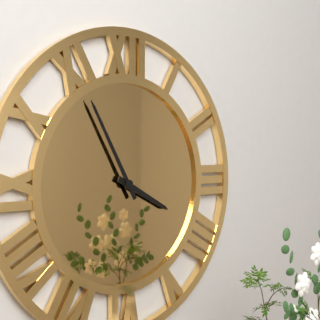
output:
3.55
